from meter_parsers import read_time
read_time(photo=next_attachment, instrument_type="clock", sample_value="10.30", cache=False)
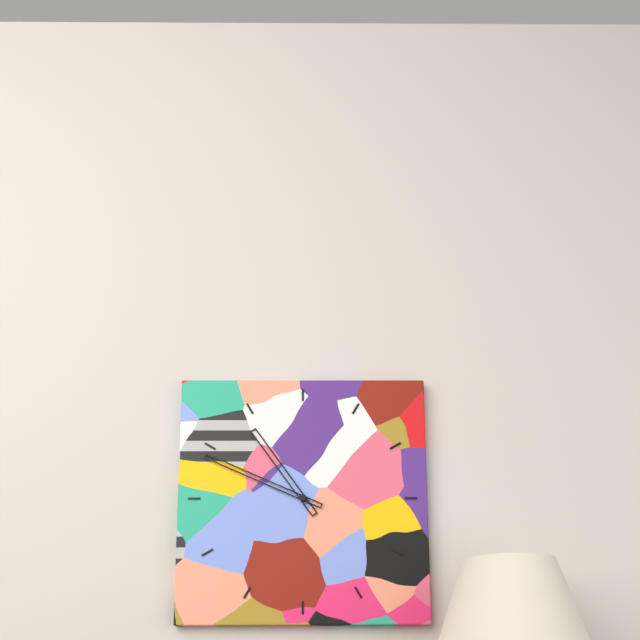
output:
10.49
